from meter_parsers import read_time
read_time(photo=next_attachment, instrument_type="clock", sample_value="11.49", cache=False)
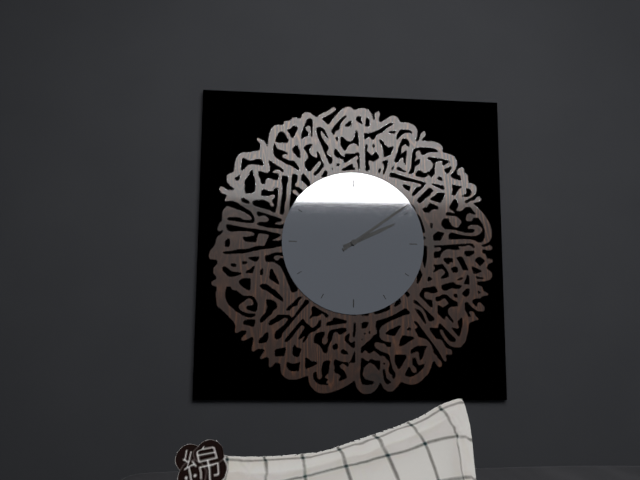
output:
2.09
